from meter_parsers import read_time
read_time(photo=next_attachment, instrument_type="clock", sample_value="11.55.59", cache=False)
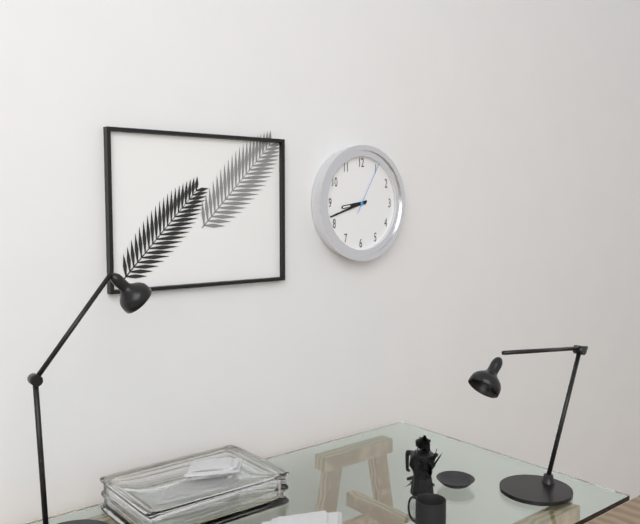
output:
8.42.05
